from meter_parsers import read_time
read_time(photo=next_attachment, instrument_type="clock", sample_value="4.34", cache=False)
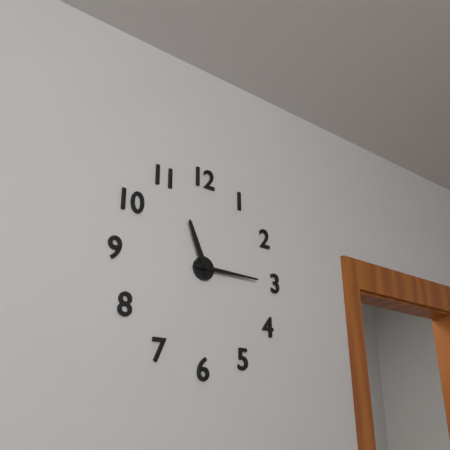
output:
11.15
